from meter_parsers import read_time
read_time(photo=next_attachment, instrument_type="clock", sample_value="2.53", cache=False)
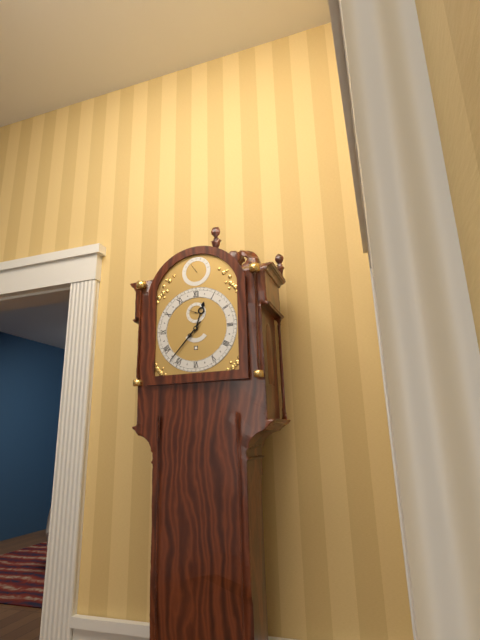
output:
12.37
